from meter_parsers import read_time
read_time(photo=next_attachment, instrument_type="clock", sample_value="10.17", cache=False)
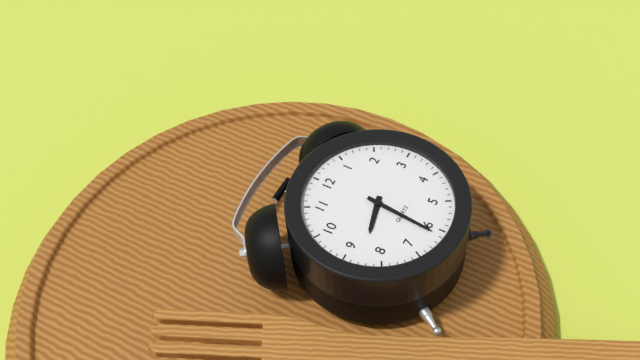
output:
8.31
